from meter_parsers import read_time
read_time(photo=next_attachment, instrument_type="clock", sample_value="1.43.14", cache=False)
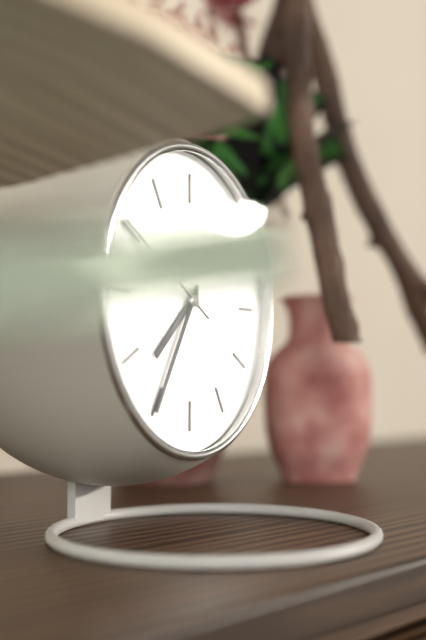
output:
7.35.50
